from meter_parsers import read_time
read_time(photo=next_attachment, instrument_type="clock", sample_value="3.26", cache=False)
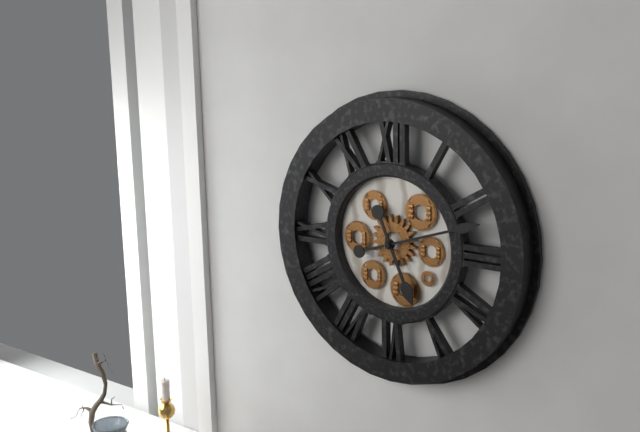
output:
5.12
